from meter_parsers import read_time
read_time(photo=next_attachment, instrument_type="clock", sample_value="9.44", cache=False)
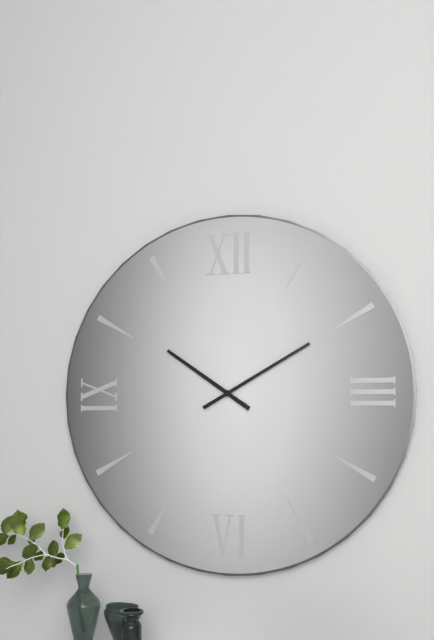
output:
10.10
